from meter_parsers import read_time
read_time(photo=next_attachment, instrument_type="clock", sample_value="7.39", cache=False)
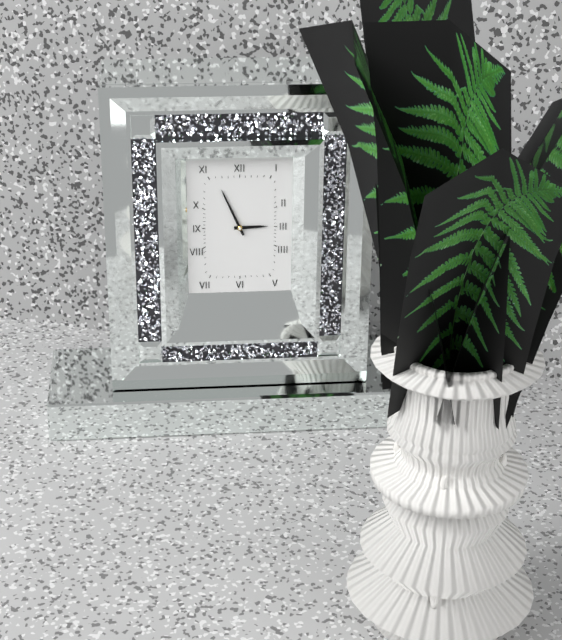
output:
2.56
